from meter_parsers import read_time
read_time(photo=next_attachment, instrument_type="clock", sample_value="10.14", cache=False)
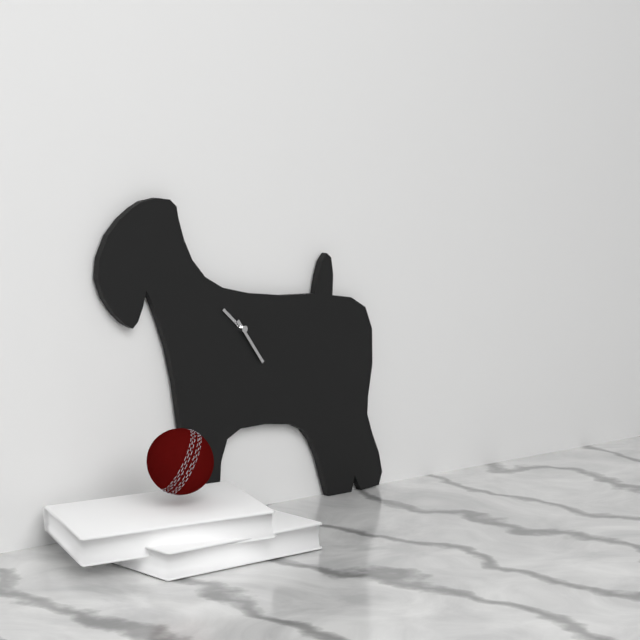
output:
10.24
